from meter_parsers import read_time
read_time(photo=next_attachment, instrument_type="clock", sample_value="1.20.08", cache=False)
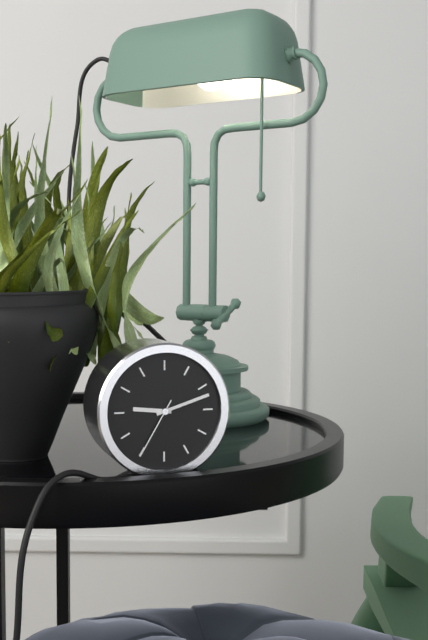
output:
9.12.35
